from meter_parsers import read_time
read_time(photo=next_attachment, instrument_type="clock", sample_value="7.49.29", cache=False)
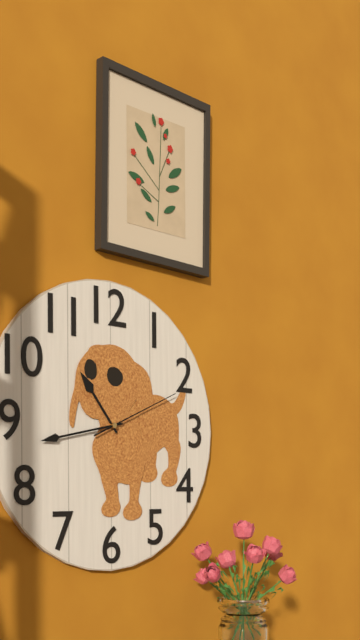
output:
10.43.11
